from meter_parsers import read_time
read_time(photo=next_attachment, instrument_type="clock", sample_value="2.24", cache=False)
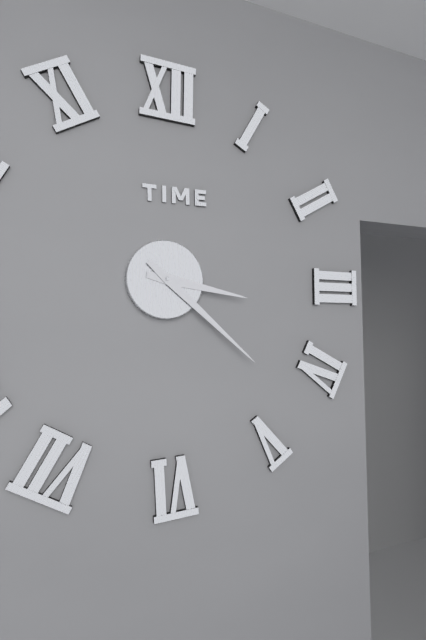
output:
3.22
